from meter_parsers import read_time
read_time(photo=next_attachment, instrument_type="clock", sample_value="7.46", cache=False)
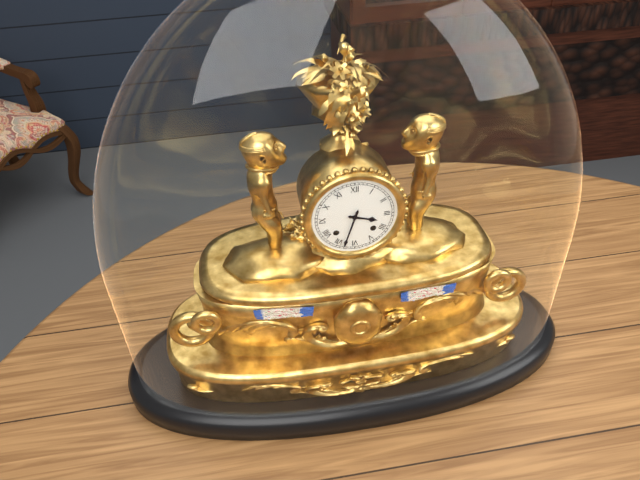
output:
3.33
